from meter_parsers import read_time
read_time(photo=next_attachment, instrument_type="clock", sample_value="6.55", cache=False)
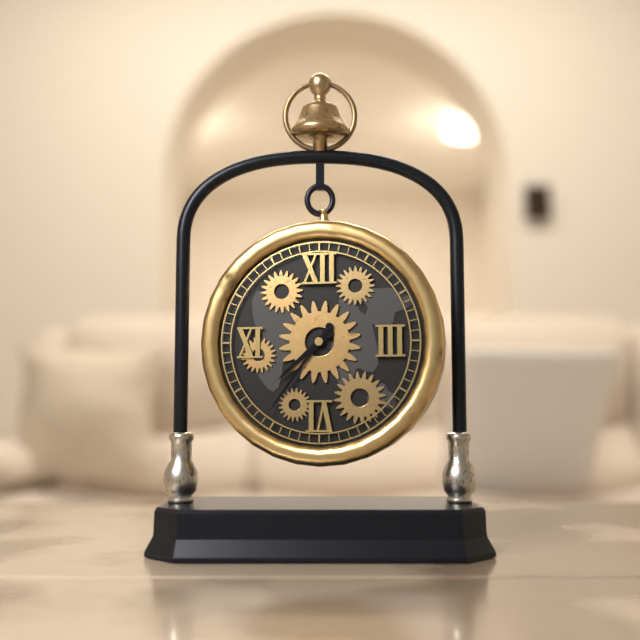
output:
7.36
